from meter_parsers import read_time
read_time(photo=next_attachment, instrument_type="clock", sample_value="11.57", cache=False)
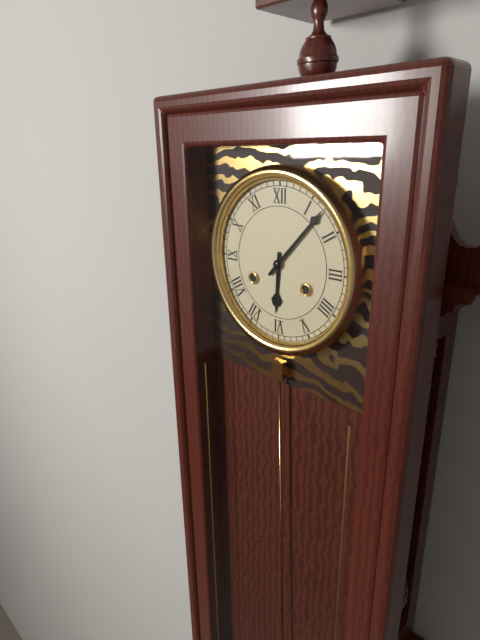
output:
6.07
